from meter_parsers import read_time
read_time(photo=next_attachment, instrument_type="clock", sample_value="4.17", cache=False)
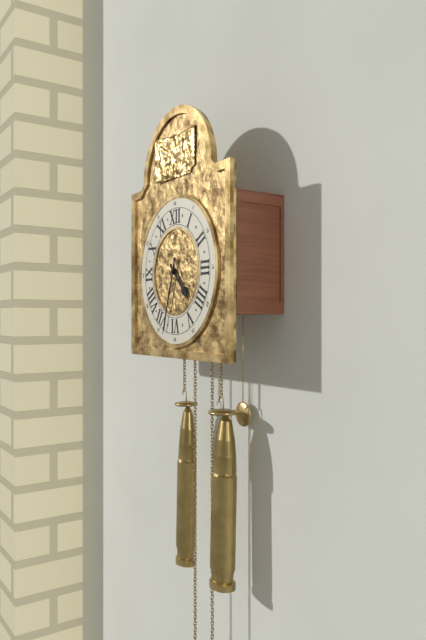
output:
4.33
